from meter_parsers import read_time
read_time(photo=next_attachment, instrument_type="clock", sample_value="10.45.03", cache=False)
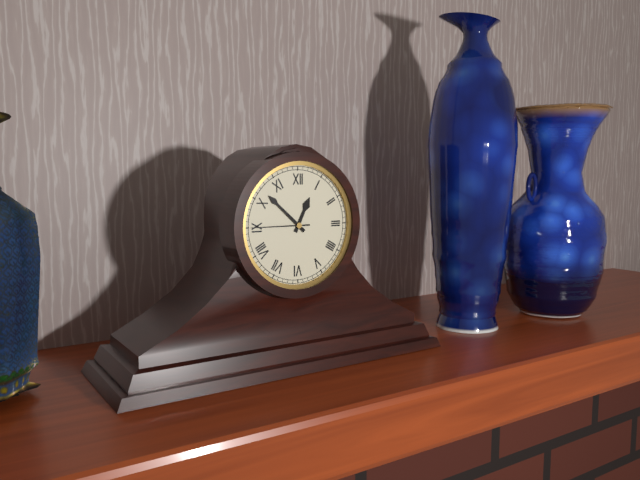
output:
12.52.45
